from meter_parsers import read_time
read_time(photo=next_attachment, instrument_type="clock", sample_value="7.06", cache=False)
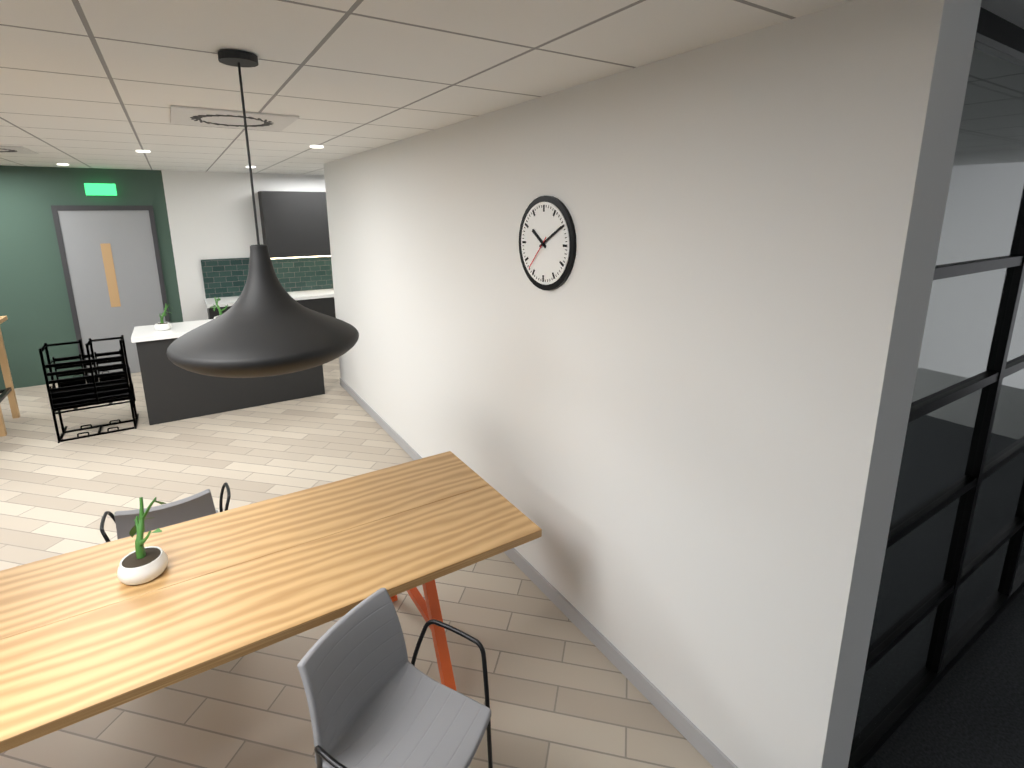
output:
10.10
